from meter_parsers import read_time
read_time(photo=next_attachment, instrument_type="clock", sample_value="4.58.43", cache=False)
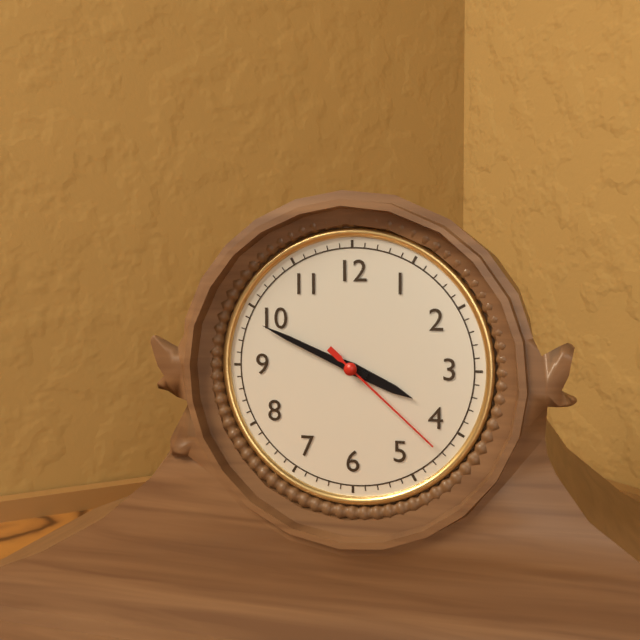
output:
3.49.22
